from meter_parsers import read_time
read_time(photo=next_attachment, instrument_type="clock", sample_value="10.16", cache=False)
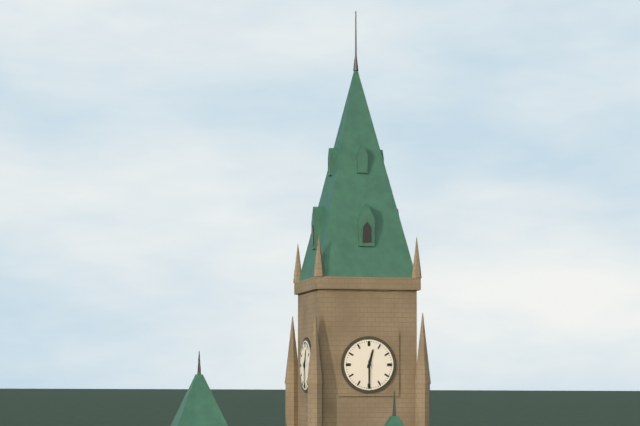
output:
12.30
